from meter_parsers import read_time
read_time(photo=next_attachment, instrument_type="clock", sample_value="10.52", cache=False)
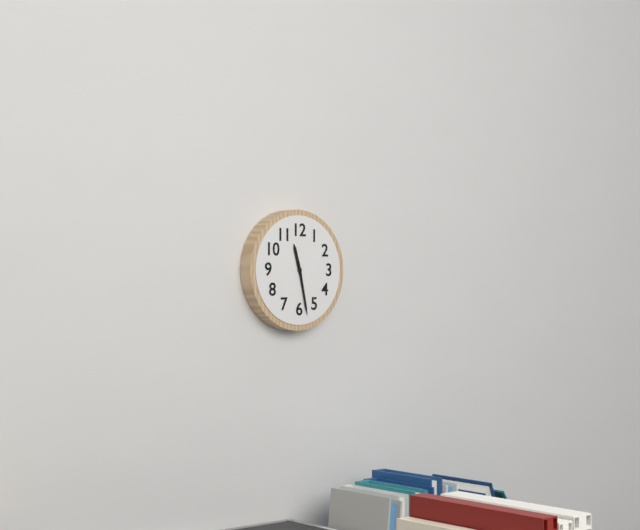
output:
11.28
